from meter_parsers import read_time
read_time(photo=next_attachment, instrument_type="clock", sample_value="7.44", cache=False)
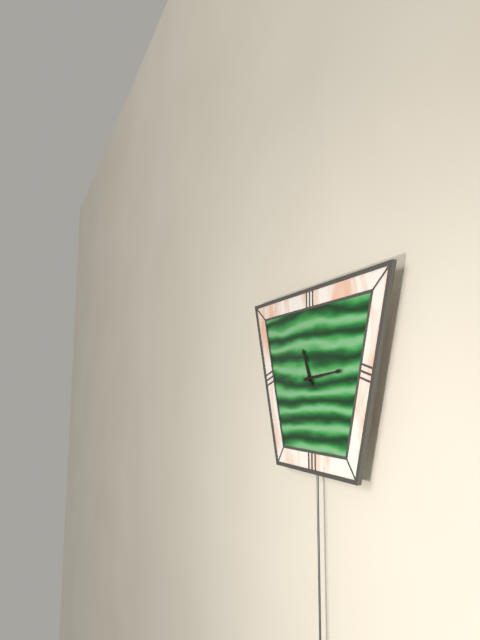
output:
11.14
